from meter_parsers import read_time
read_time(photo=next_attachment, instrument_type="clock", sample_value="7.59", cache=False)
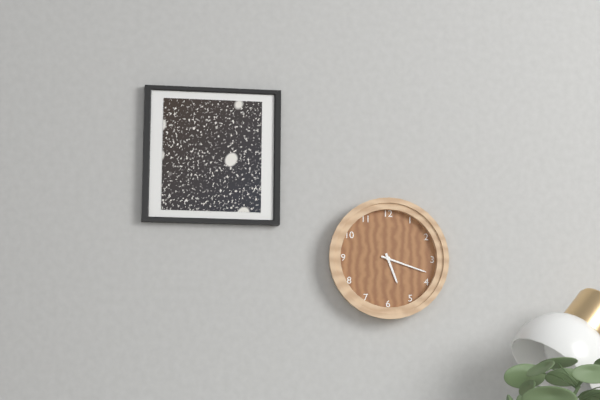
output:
5.18
